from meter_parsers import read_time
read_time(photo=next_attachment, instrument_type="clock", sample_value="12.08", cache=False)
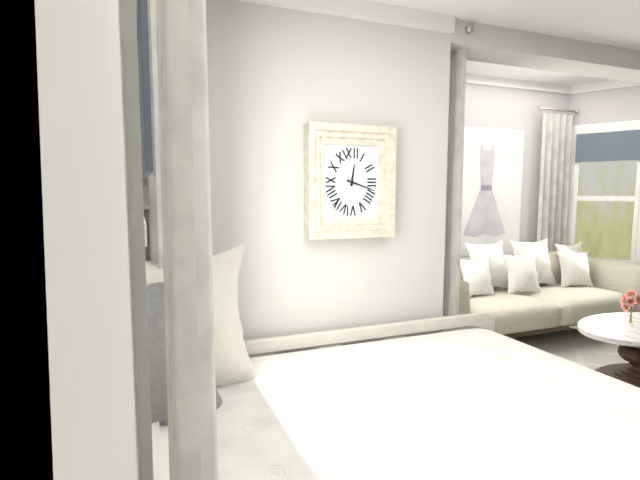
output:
12.18
